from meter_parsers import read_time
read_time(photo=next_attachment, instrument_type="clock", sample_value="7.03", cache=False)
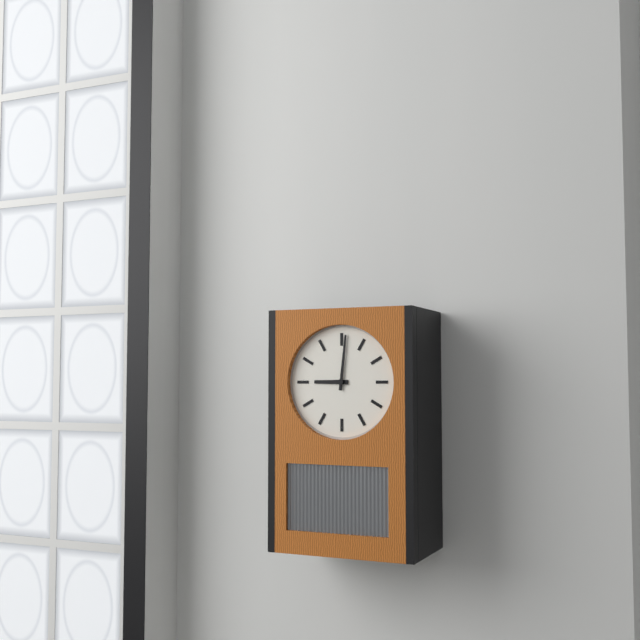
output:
9.01
